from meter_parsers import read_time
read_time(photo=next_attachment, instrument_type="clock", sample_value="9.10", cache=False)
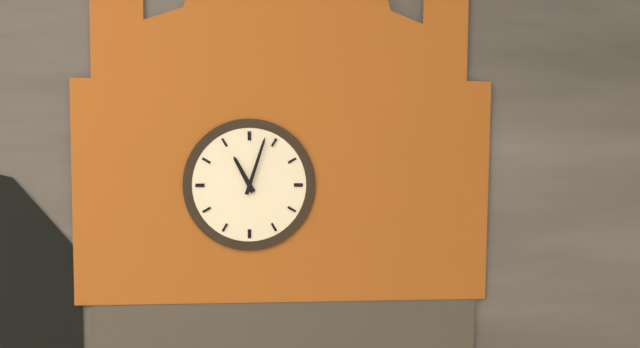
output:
11.03
